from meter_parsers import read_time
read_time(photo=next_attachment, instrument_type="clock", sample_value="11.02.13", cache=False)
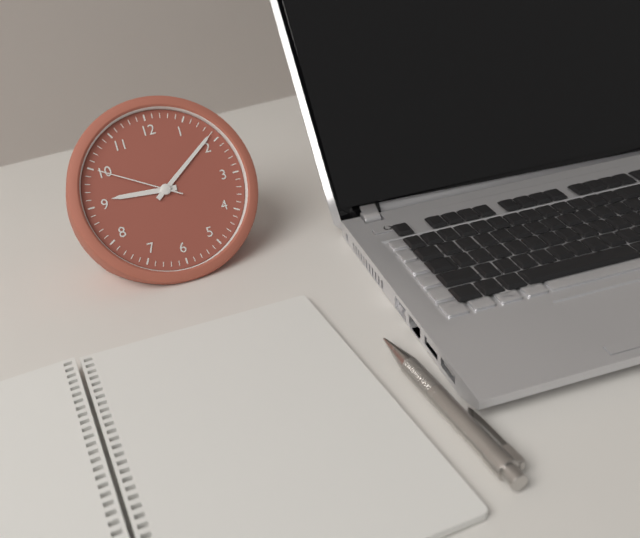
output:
9.09.50
